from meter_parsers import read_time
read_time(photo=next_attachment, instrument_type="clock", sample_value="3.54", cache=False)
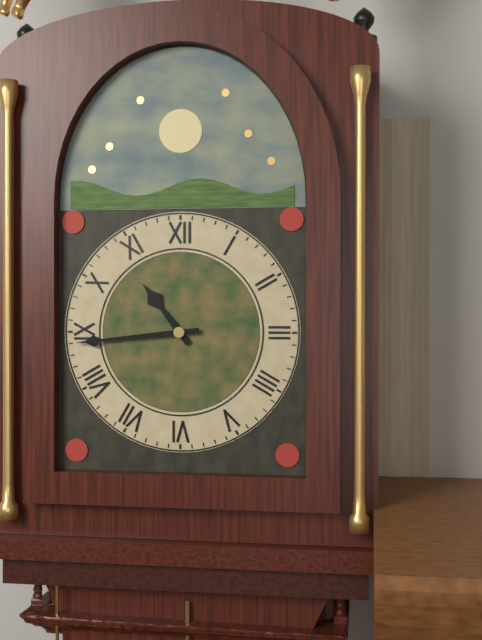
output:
10.44
